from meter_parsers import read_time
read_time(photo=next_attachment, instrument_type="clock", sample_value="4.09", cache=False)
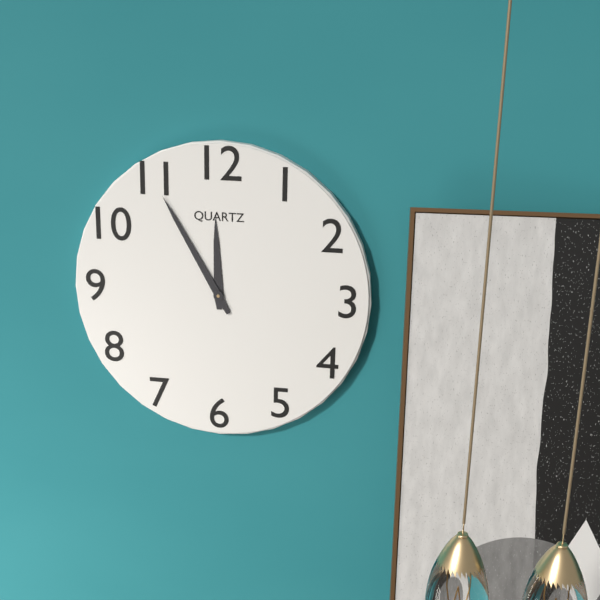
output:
11.55
